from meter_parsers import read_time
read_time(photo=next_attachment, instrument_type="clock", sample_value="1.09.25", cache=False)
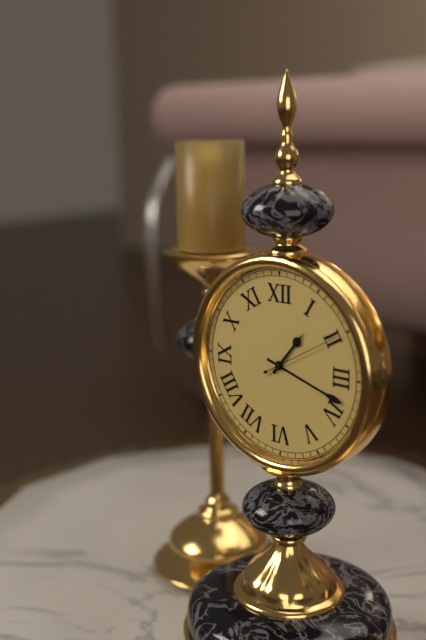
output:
1.18.10
